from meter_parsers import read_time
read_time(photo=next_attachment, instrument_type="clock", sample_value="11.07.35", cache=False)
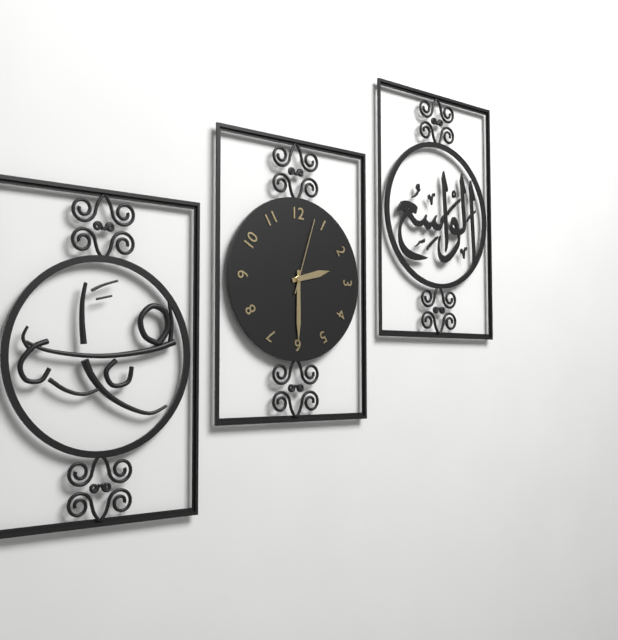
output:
2.30.03
